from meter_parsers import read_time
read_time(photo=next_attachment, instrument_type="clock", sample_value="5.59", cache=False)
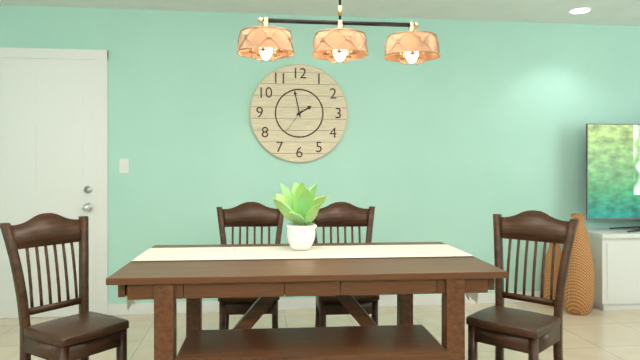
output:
1.58
